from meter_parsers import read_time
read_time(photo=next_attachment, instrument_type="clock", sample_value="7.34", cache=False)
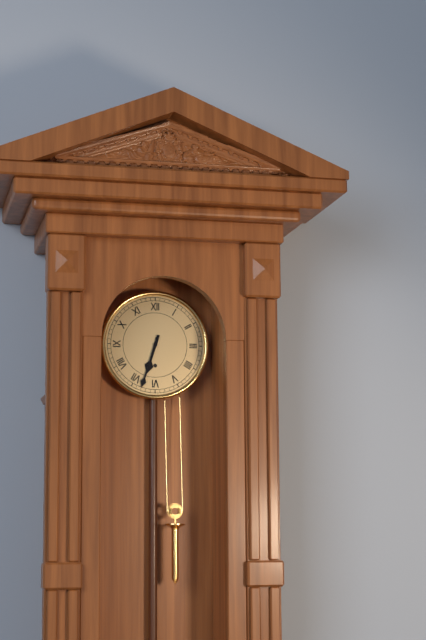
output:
6.33
